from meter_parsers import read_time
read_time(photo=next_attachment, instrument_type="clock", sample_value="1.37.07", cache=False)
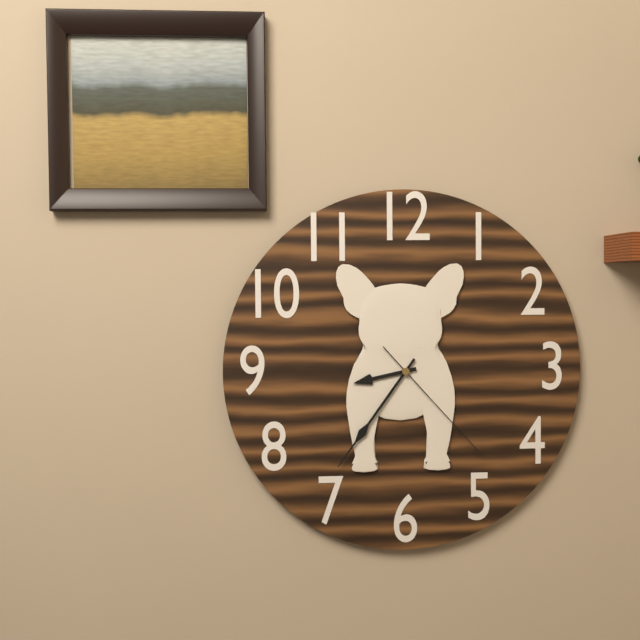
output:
8.36.23
